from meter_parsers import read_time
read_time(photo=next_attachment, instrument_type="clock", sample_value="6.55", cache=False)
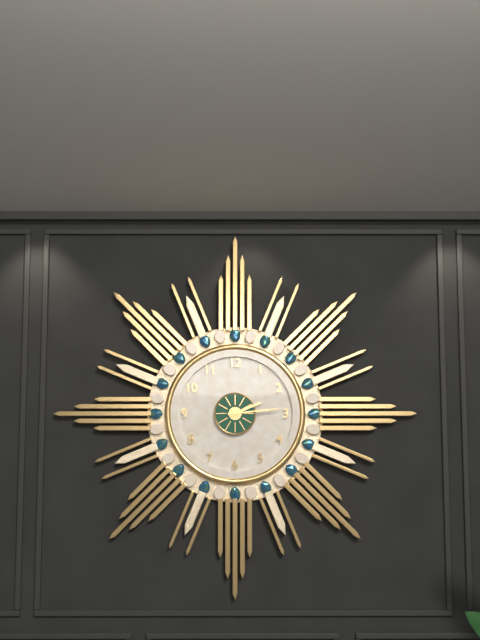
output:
2.14
